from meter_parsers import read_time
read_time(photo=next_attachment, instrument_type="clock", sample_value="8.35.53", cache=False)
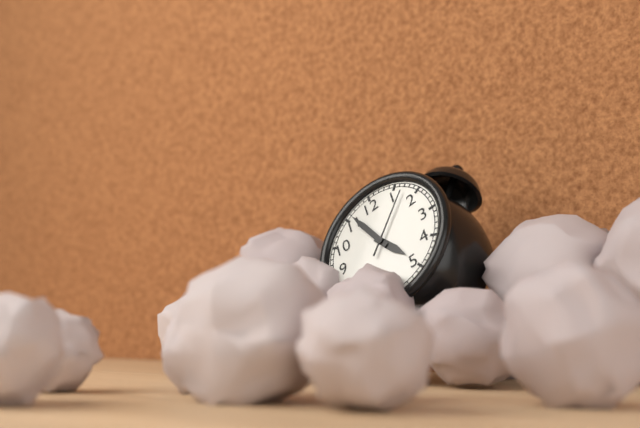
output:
4.56.07
